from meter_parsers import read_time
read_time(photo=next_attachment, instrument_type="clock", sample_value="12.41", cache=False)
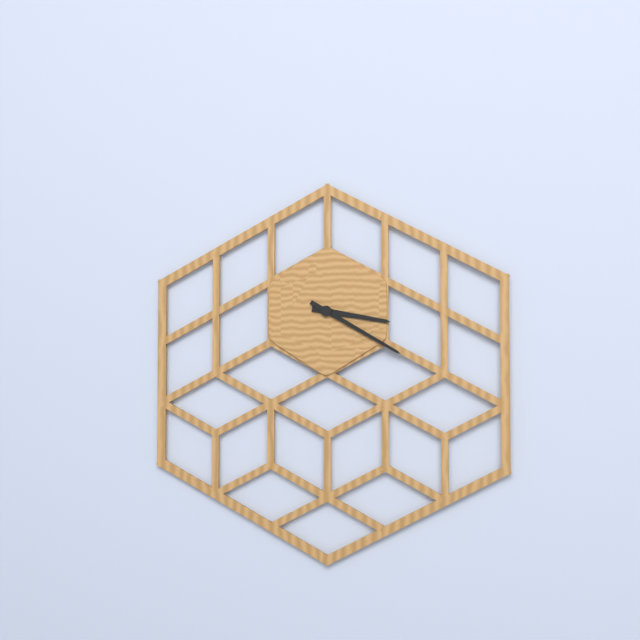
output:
3.20
